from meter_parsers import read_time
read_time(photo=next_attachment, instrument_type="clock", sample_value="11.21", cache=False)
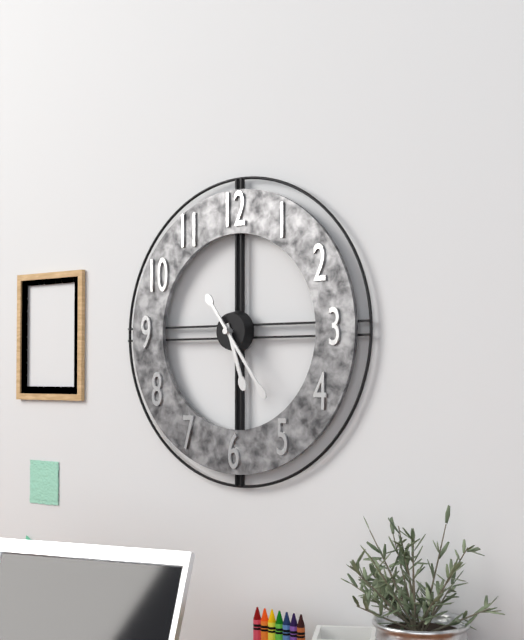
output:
5.24
